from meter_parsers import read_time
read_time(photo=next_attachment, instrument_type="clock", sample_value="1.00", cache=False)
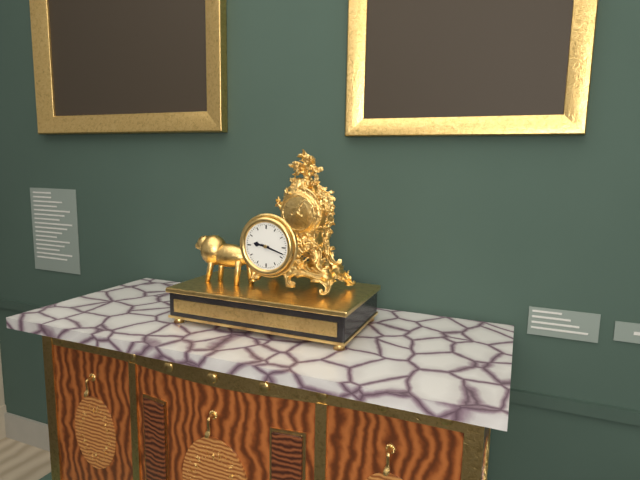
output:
9.18
